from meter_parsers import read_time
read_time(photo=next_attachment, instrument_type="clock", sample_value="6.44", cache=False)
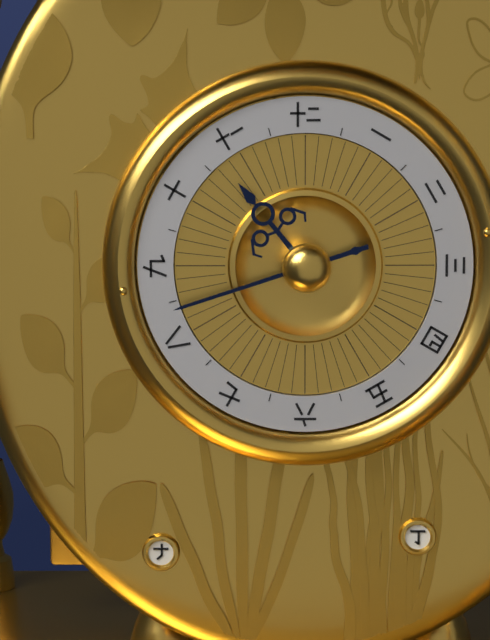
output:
10.42
